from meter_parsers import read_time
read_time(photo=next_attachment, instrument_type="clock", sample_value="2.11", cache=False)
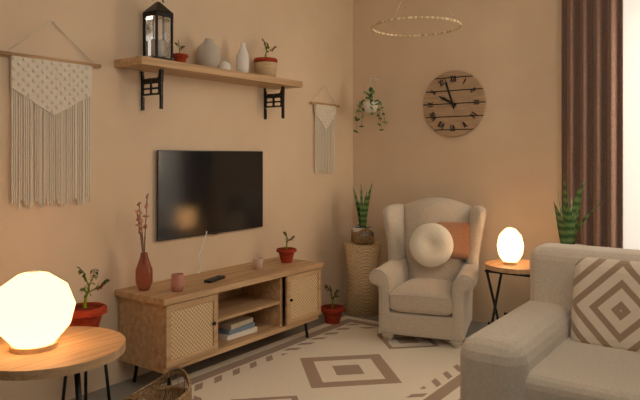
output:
9.57
